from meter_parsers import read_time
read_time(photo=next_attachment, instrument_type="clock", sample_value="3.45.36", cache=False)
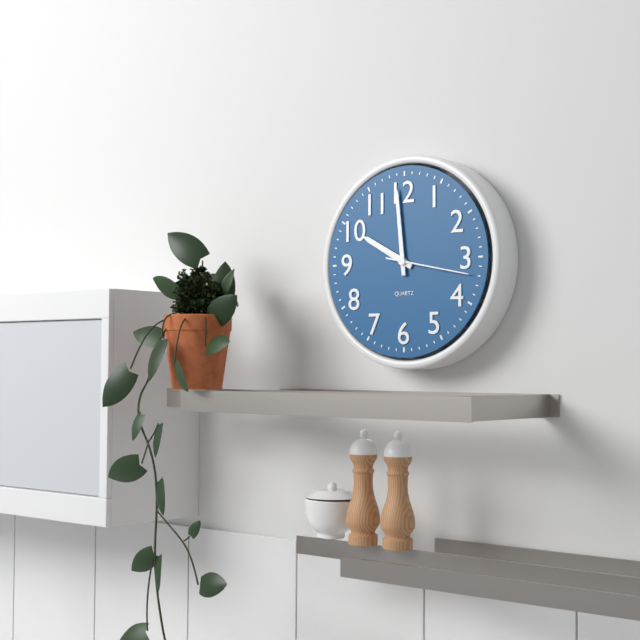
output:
9.59.17
